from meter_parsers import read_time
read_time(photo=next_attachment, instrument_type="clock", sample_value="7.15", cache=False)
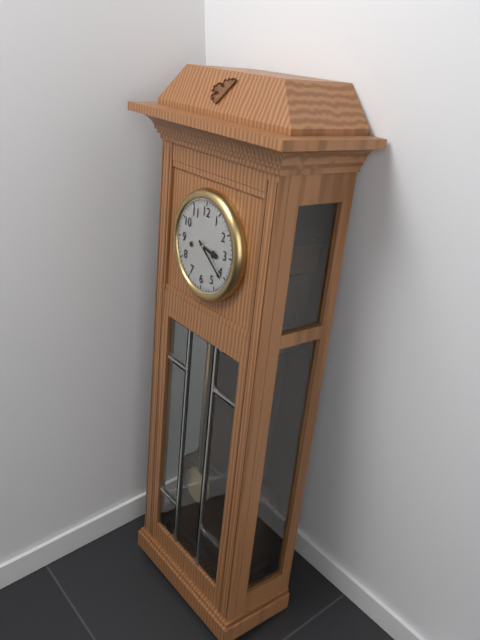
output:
3.21
